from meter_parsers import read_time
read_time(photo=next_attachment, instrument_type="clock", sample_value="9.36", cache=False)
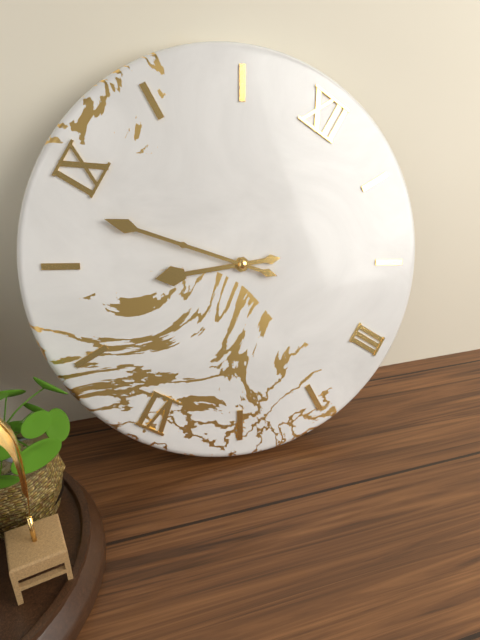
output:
7.43
